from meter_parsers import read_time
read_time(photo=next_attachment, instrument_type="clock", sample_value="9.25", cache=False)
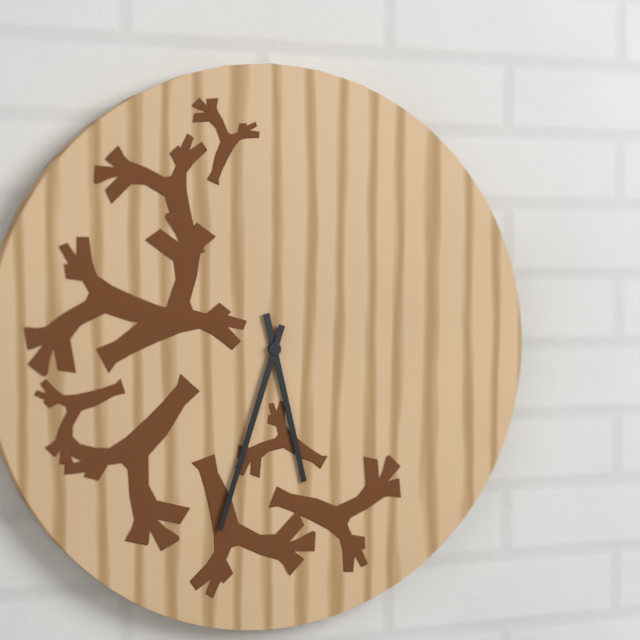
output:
5.33
